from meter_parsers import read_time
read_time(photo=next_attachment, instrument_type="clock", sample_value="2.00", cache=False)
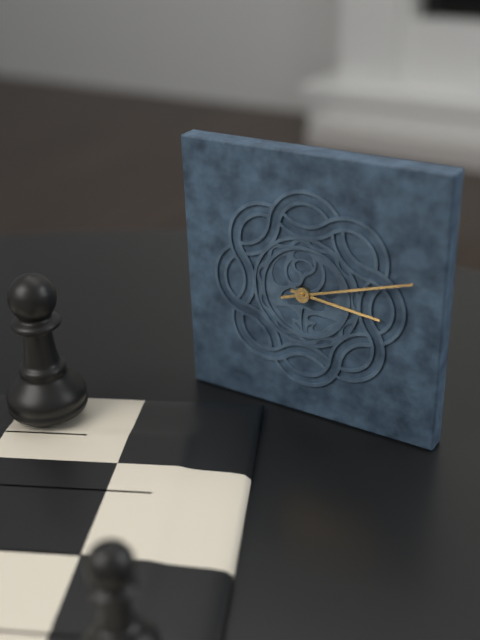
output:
3.12
